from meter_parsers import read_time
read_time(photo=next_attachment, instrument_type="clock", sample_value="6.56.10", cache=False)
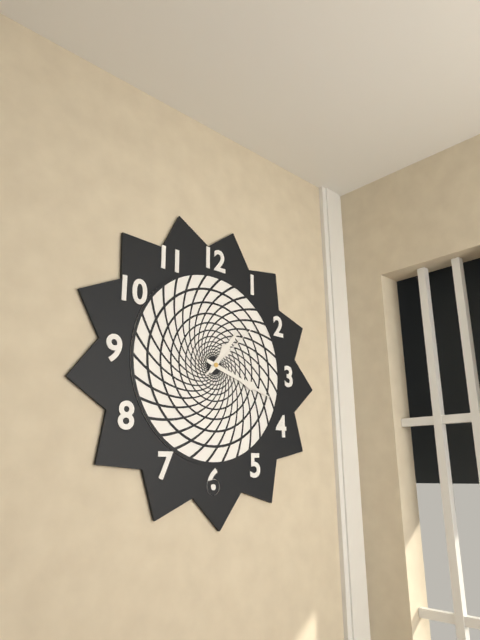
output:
1.18.08
